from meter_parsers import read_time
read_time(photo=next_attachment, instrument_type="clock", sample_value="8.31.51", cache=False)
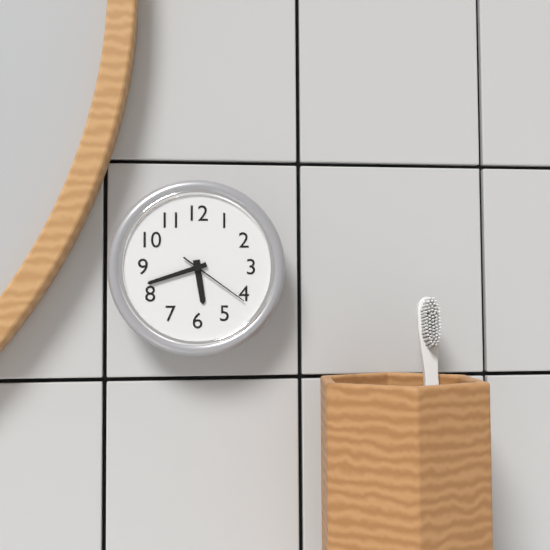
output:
5.42.21
